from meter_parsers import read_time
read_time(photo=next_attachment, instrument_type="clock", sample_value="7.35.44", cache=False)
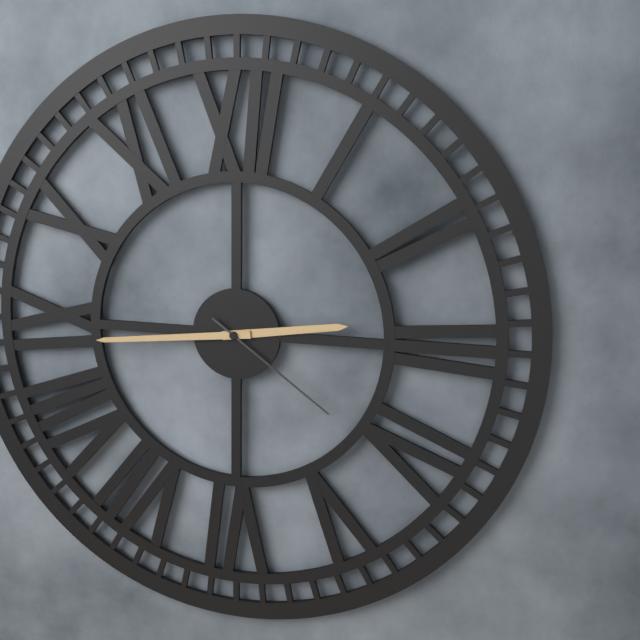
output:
2.44.21
